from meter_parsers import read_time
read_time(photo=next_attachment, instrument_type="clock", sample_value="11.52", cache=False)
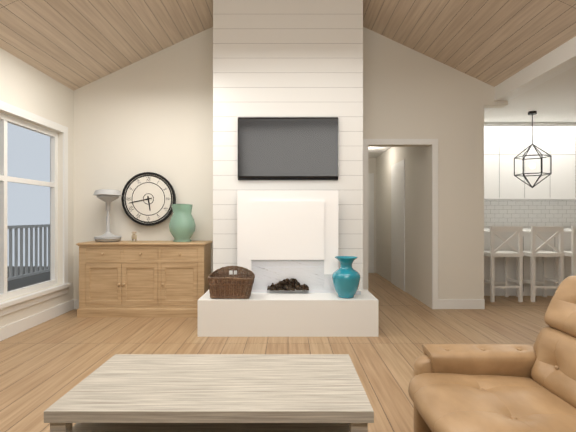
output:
5.43
